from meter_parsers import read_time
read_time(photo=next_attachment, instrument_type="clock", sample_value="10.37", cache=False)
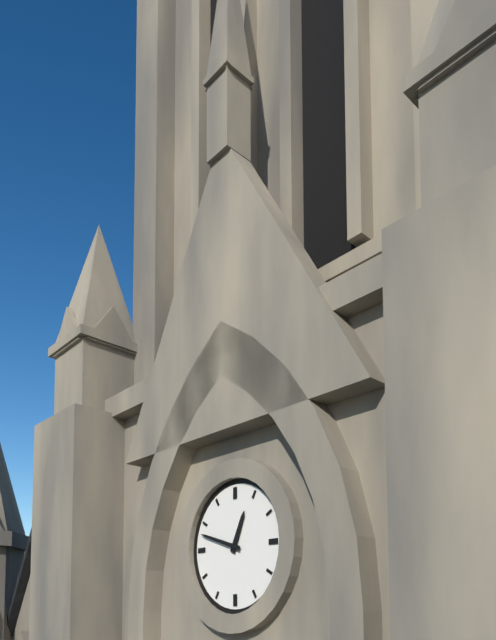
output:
12.48
